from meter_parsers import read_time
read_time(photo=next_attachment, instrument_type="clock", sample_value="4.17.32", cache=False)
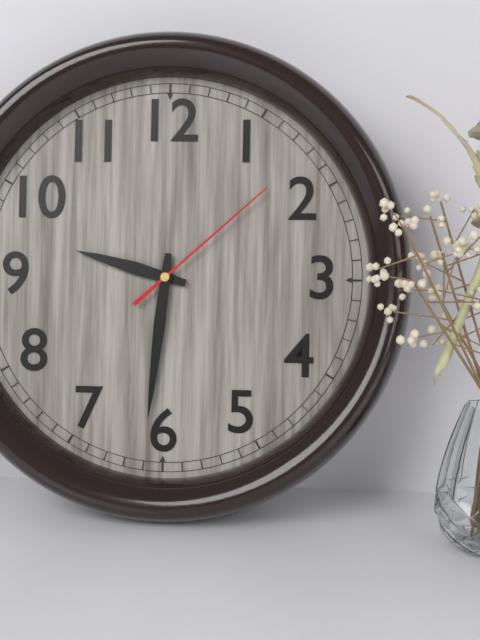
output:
9.31.08
